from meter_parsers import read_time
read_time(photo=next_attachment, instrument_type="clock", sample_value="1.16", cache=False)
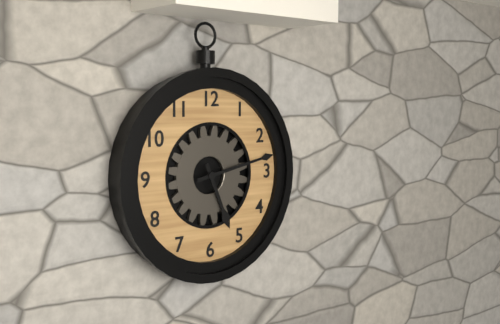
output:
5.13
